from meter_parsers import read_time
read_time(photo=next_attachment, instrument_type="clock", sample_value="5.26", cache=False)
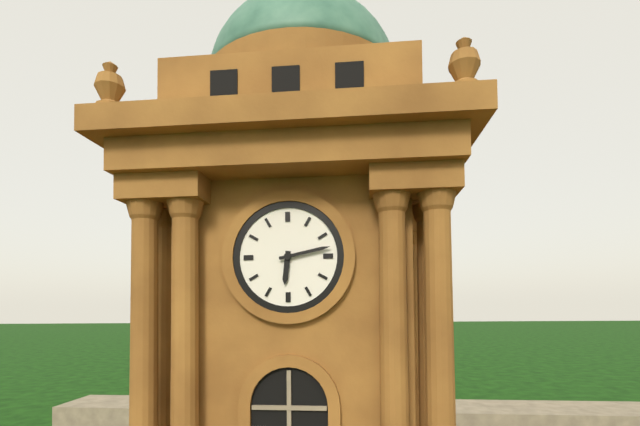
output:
6.13
